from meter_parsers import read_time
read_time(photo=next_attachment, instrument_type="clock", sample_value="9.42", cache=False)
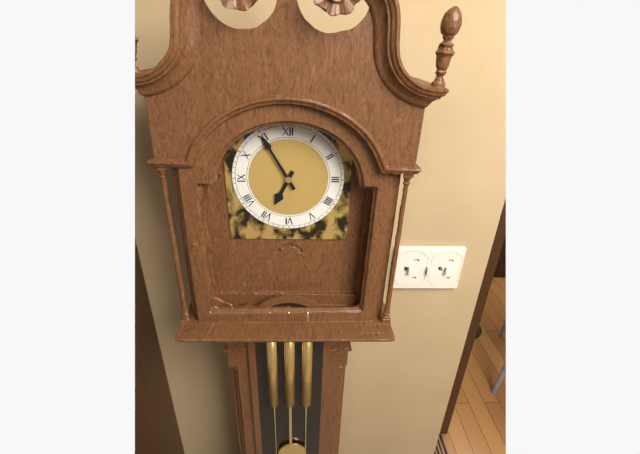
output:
6.55
